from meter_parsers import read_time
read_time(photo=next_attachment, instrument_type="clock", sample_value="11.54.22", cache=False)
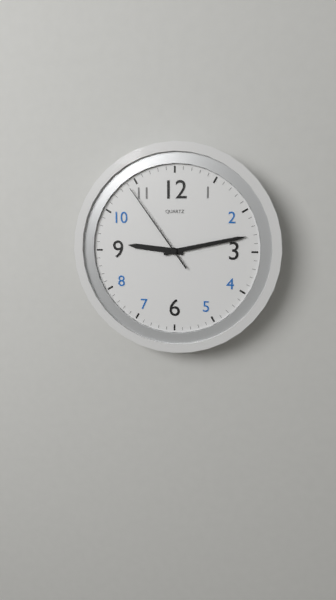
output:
9.13.54
